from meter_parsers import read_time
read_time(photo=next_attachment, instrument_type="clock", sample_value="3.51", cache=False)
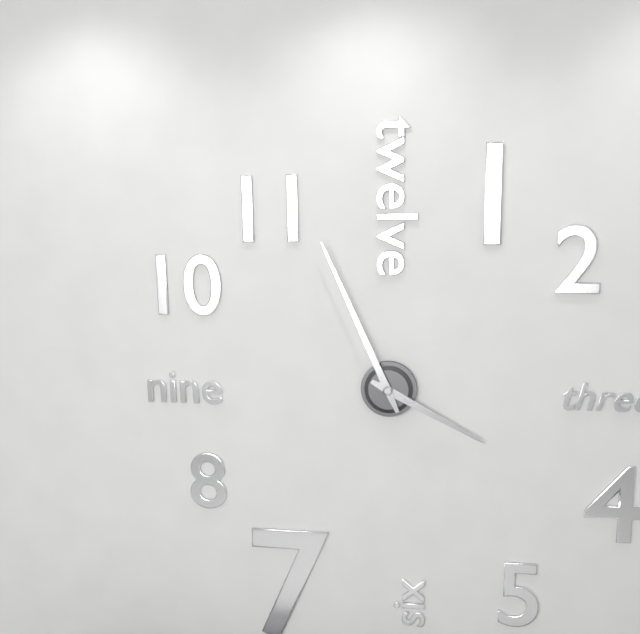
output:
3.56
